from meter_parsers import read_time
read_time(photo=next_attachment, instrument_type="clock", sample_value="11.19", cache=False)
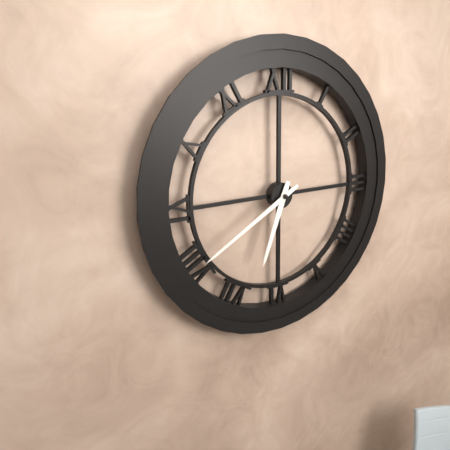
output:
6.40
